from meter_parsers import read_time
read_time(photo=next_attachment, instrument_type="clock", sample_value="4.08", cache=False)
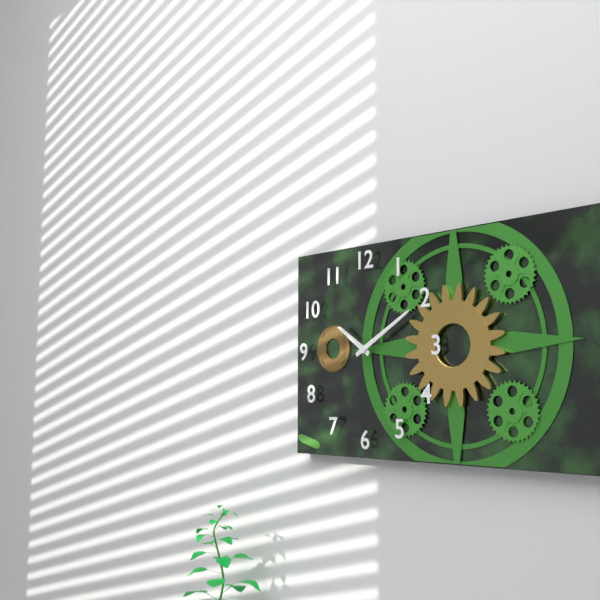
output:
10.10
